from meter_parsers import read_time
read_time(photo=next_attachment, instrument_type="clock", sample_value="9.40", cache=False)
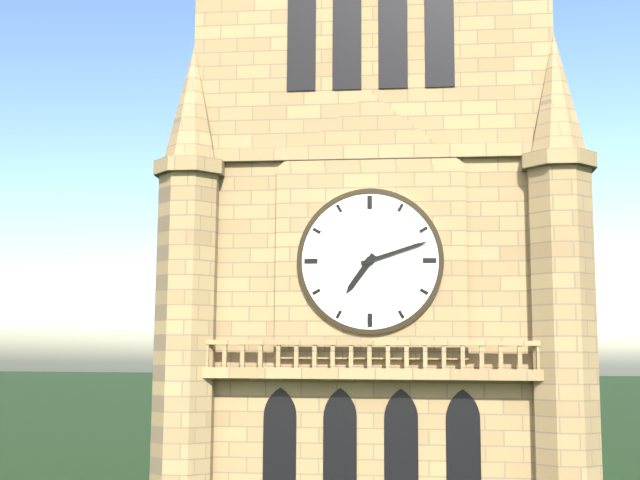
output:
7.12
